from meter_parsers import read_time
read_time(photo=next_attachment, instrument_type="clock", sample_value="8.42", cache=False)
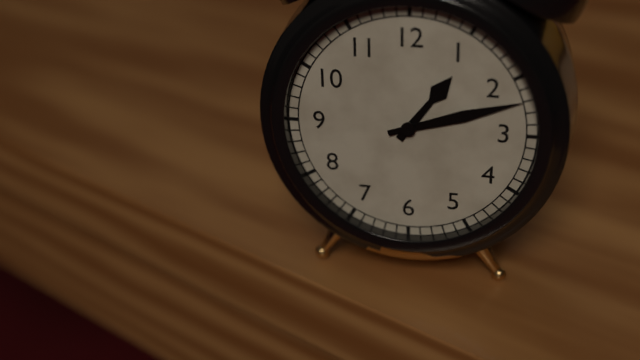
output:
1.12
